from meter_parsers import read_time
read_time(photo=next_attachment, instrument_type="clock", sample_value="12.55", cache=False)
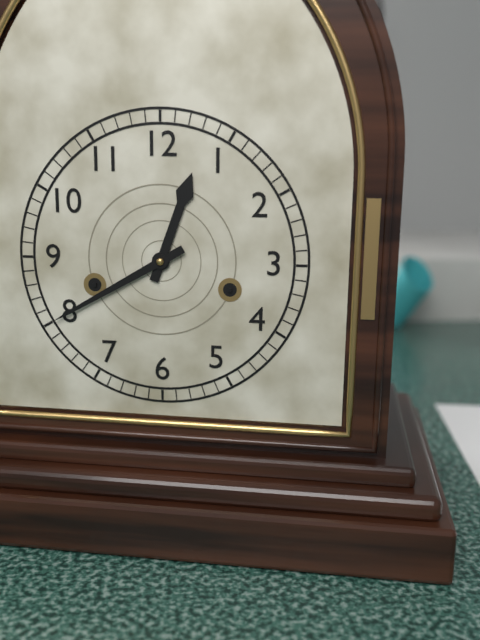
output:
12.40
